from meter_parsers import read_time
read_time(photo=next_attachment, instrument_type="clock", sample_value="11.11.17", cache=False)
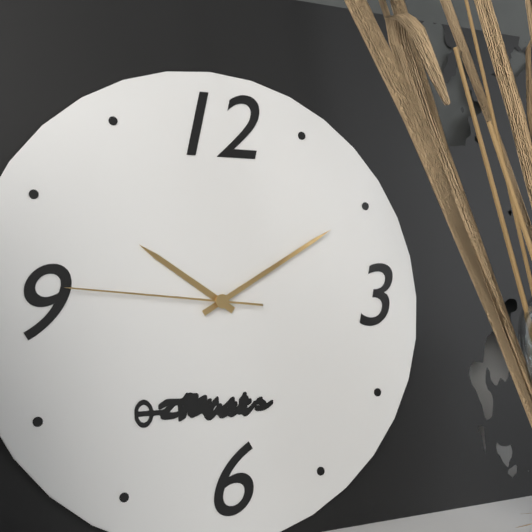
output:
10.10.46
